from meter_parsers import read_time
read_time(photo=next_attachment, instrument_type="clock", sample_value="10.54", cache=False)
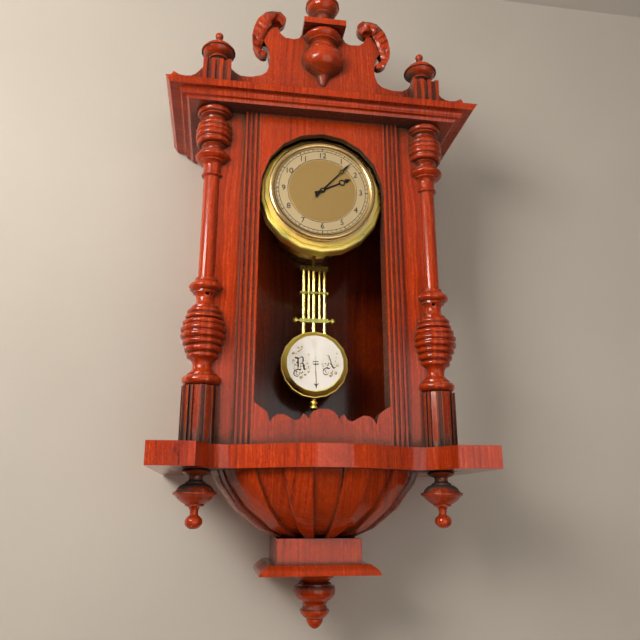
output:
2.07
